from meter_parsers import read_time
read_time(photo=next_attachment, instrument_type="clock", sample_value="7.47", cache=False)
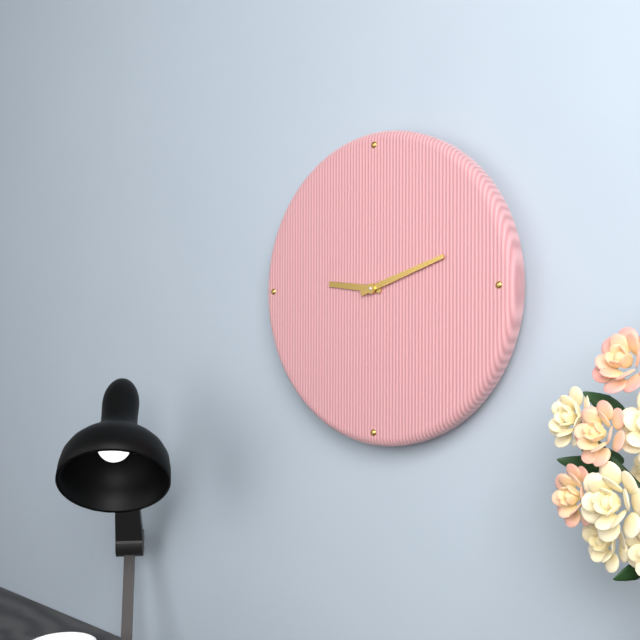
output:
9.12
